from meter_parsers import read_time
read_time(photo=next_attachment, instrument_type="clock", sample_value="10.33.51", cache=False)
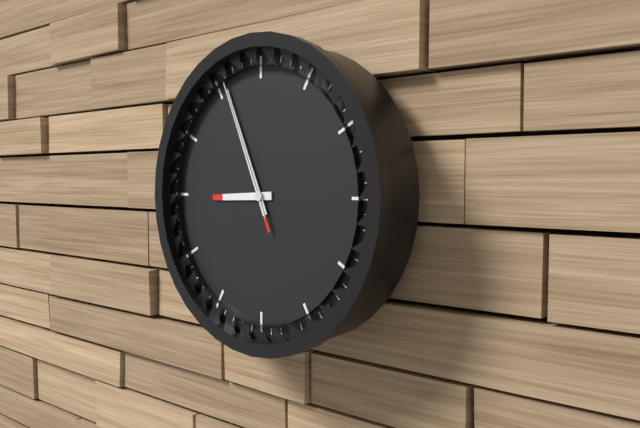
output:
8.56.56
